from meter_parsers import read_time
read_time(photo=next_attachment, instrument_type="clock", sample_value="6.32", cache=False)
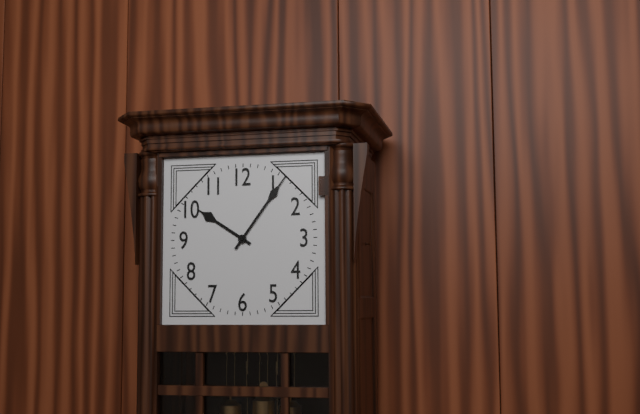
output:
10.06
